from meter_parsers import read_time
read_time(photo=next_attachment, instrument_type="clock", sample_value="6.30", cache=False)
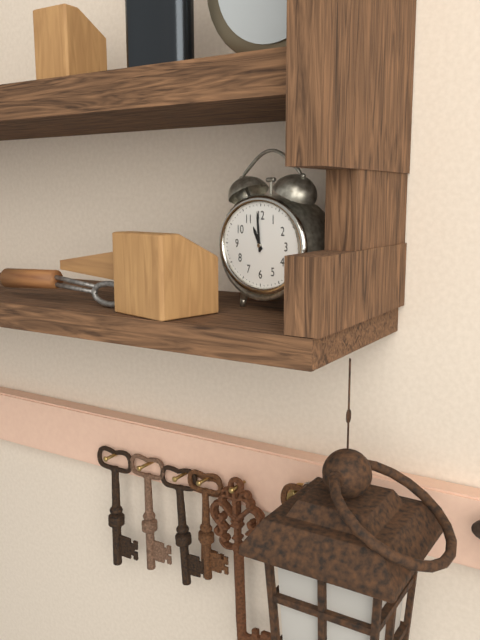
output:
10.59
